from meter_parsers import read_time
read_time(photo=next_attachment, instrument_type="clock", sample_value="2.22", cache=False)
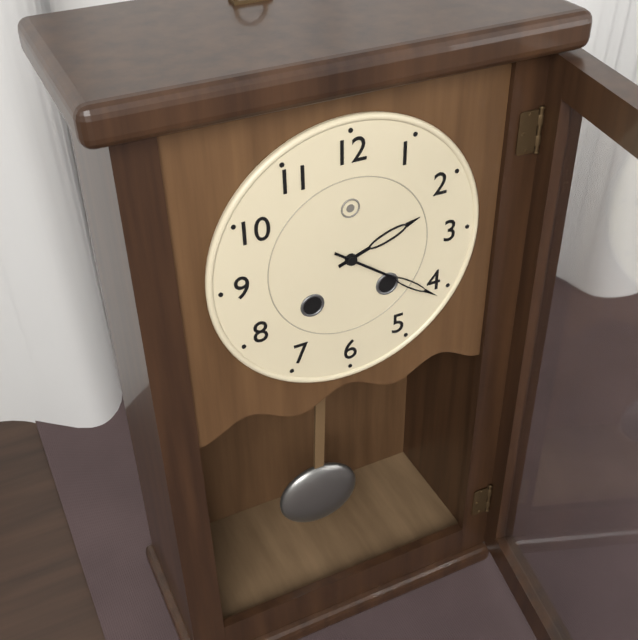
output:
2.21
